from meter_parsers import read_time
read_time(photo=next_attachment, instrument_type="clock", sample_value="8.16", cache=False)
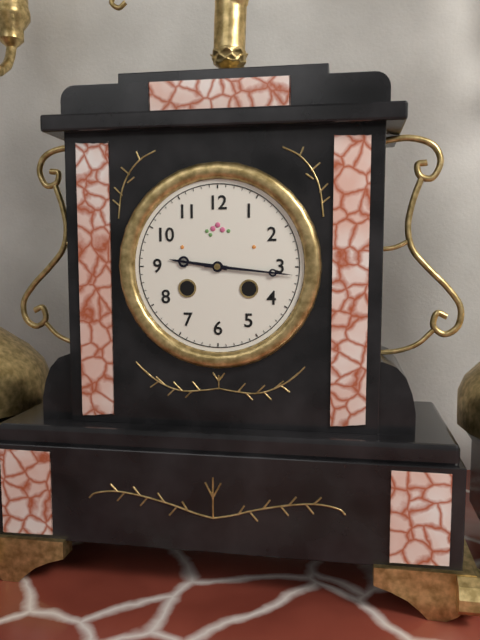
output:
9.16
